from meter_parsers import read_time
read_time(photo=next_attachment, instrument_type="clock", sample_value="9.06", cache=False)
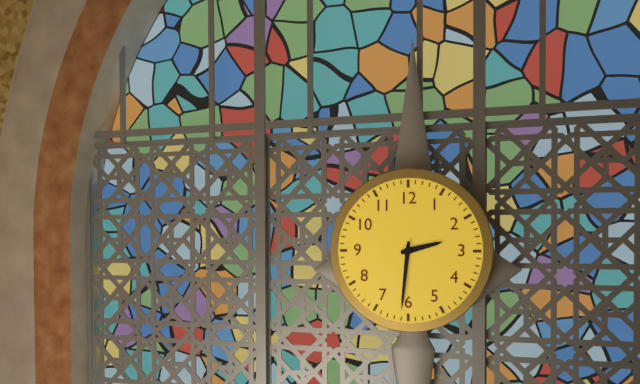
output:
2.31
